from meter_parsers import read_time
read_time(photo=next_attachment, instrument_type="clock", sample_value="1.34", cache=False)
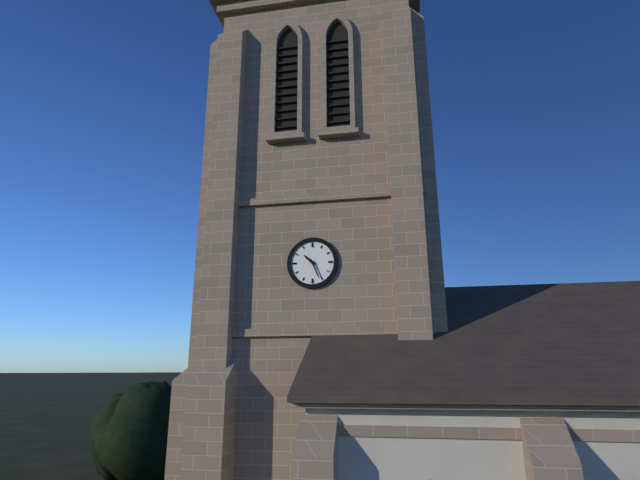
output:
10.26
